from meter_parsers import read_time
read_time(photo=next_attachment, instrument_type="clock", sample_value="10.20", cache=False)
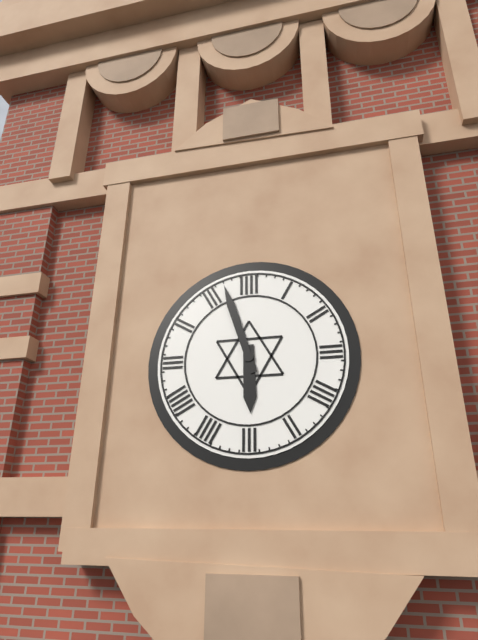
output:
5.57
